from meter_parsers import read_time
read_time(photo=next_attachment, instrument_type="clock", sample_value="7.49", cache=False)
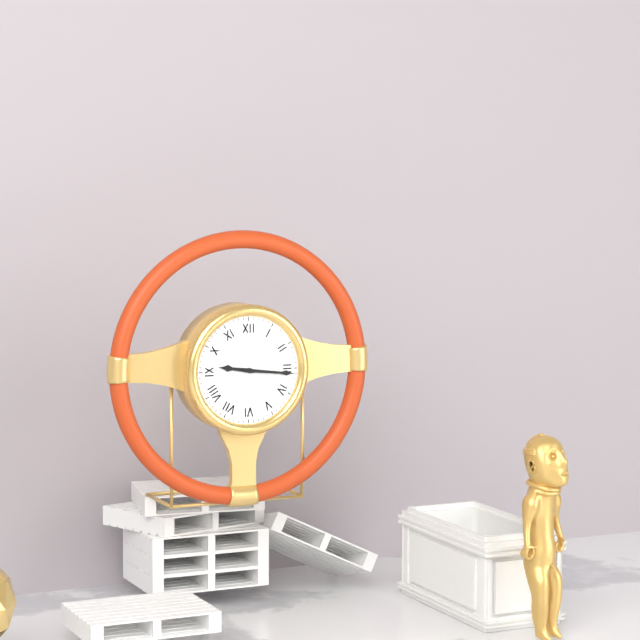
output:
9.16
